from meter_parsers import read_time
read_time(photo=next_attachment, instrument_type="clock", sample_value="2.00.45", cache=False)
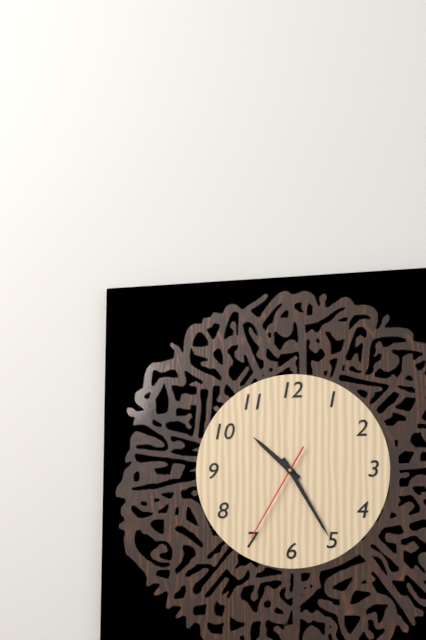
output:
10.25.35
